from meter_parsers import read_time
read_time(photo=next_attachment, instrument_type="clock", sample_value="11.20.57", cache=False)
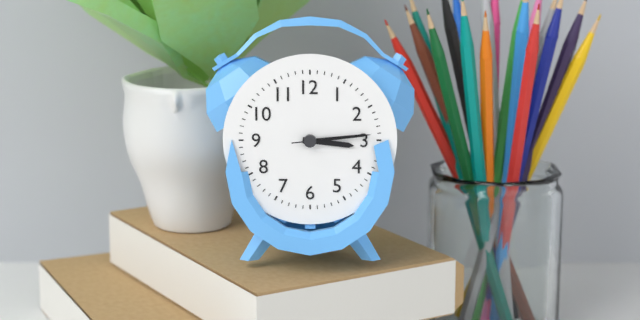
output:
3.14.14
